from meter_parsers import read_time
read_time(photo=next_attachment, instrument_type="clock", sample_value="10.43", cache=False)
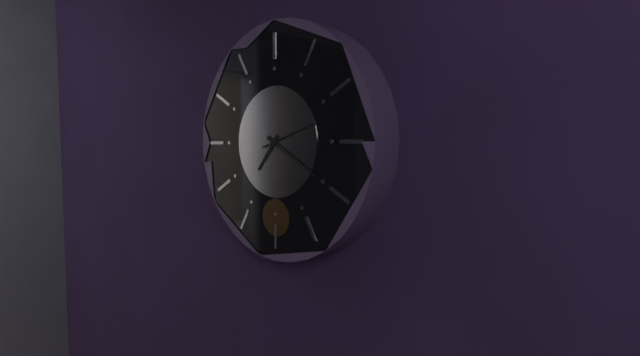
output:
7.20
